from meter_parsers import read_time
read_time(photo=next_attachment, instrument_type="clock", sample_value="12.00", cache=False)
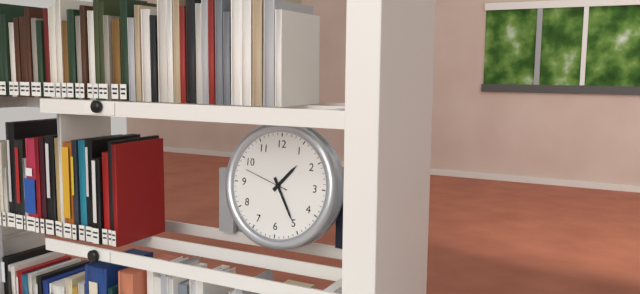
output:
1.25
